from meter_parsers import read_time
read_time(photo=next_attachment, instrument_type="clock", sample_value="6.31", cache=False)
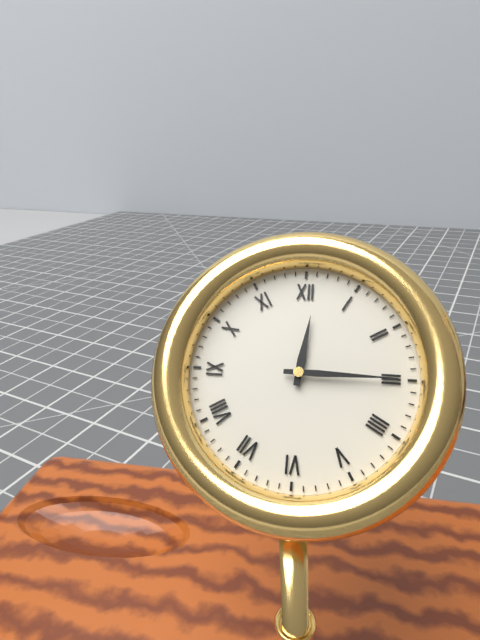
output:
12.15
